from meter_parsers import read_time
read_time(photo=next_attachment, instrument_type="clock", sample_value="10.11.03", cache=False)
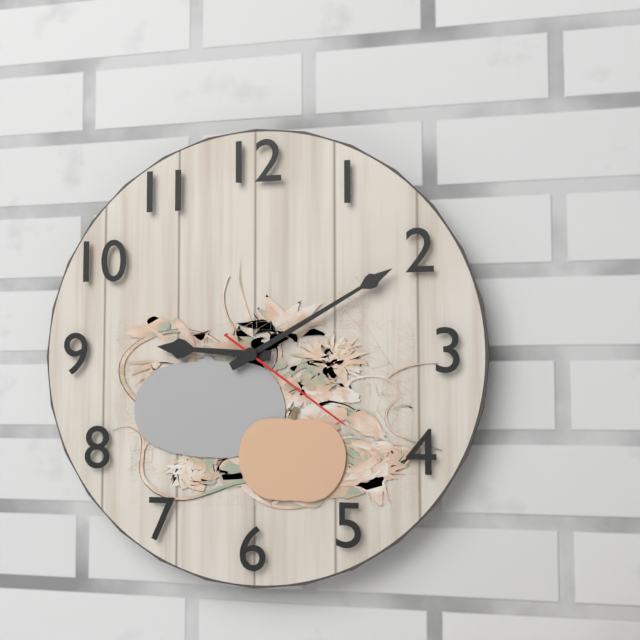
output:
9.10.21
